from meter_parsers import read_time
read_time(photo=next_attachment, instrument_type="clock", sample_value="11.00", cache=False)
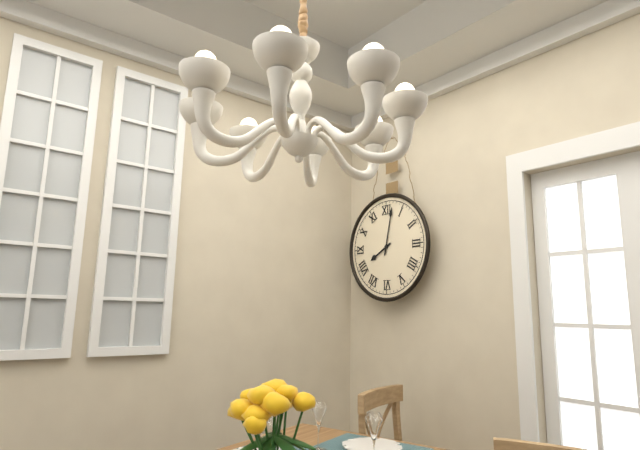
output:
8.02
